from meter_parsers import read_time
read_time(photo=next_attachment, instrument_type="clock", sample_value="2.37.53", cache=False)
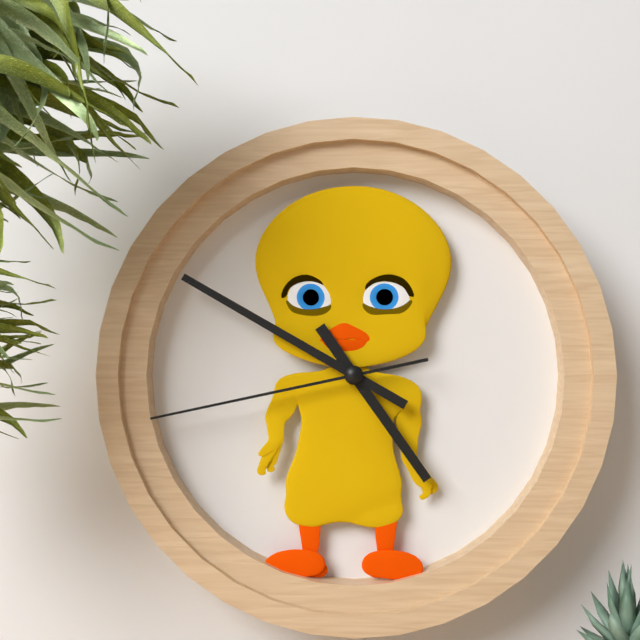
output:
4.50.43
